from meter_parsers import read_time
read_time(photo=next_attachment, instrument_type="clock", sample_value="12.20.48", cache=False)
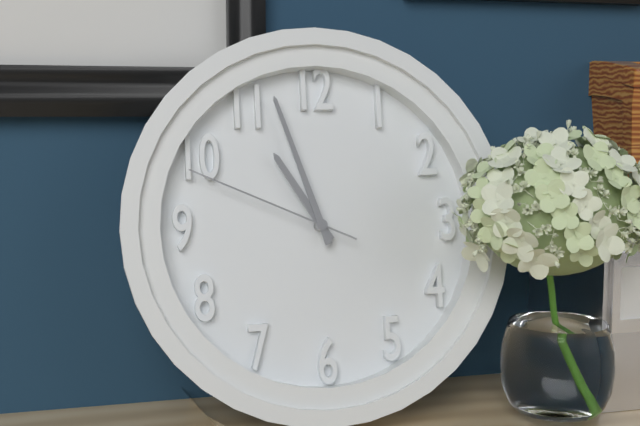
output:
10.57.49
